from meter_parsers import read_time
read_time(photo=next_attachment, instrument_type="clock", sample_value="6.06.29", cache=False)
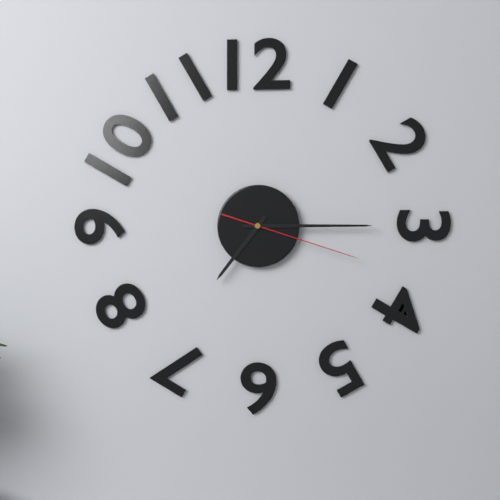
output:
7.15.18
